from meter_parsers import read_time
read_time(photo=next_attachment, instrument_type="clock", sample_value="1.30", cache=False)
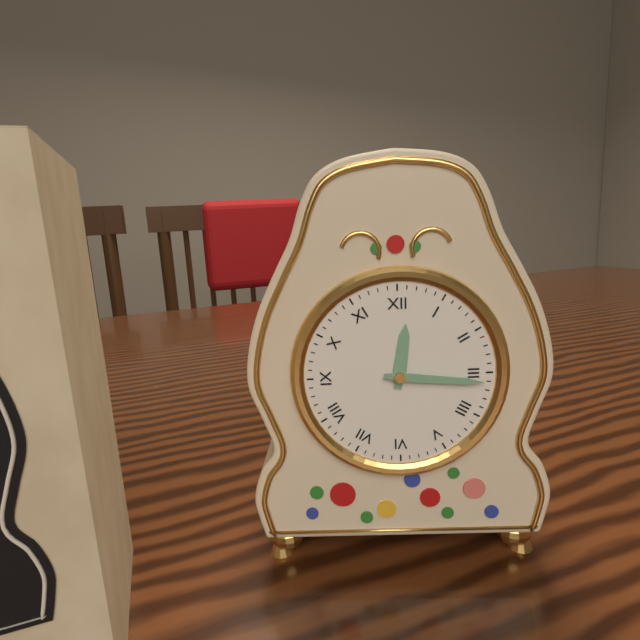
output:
12.16
